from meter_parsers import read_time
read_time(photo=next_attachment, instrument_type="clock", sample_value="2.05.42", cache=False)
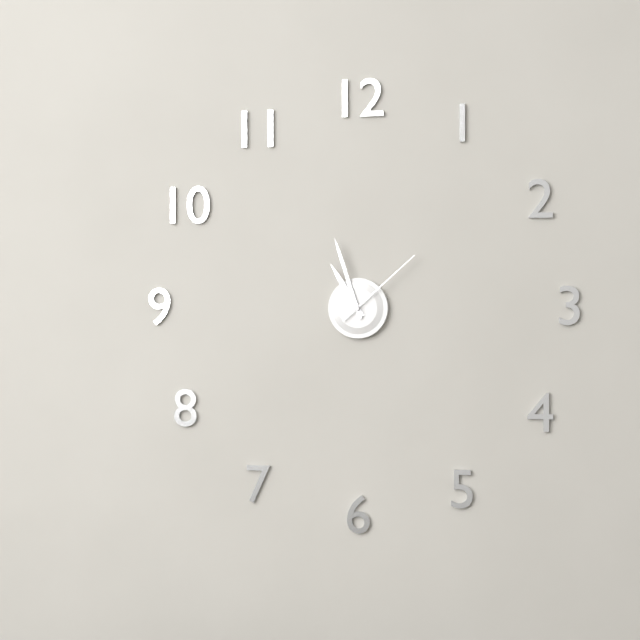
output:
10.57.08
